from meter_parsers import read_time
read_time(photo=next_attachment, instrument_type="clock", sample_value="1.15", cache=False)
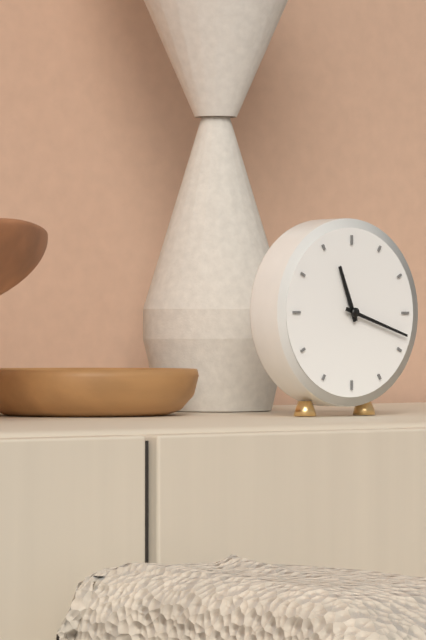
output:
11.18
